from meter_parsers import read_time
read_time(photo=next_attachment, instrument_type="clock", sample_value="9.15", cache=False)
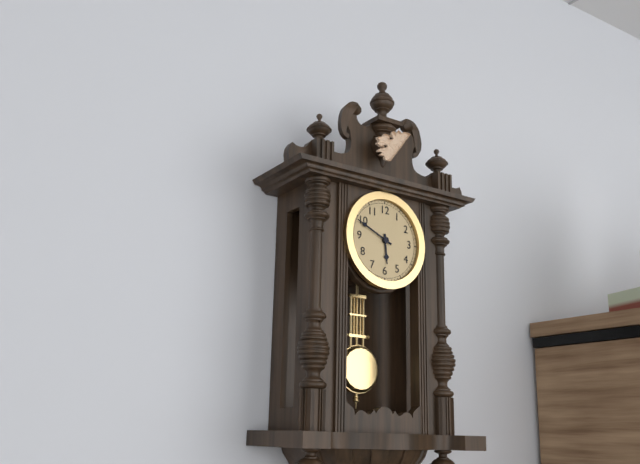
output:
5.49
